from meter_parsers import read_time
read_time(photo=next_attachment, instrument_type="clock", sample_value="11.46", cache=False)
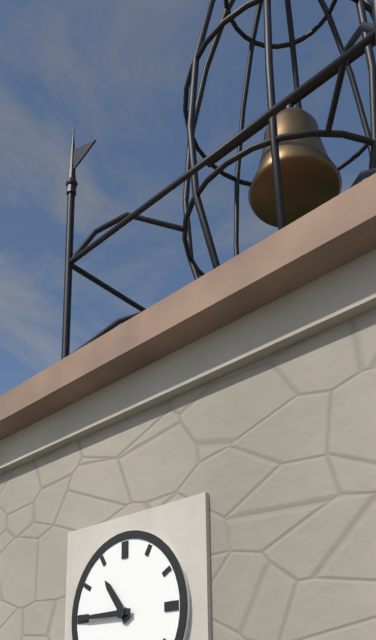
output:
10.45
